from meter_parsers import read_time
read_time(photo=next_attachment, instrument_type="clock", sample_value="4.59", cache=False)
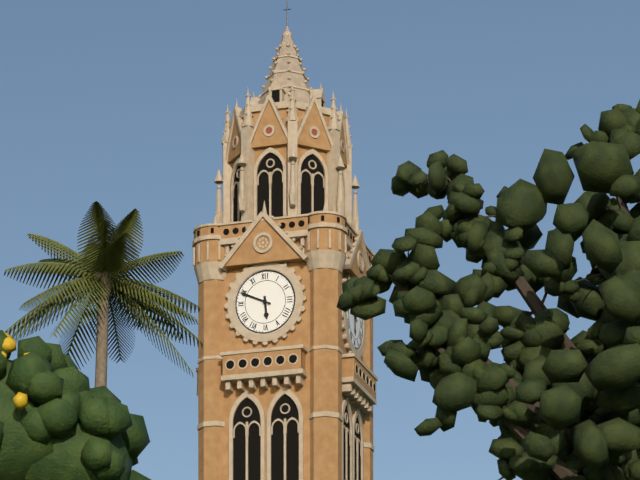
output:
5.49
